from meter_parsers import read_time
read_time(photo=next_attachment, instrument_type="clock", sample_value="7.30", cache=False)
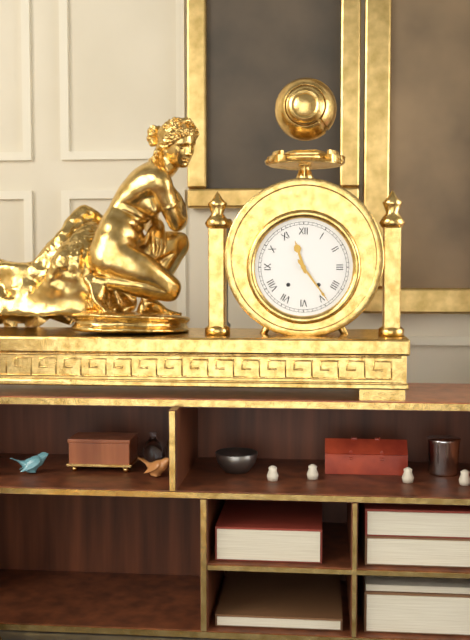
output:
11.24
